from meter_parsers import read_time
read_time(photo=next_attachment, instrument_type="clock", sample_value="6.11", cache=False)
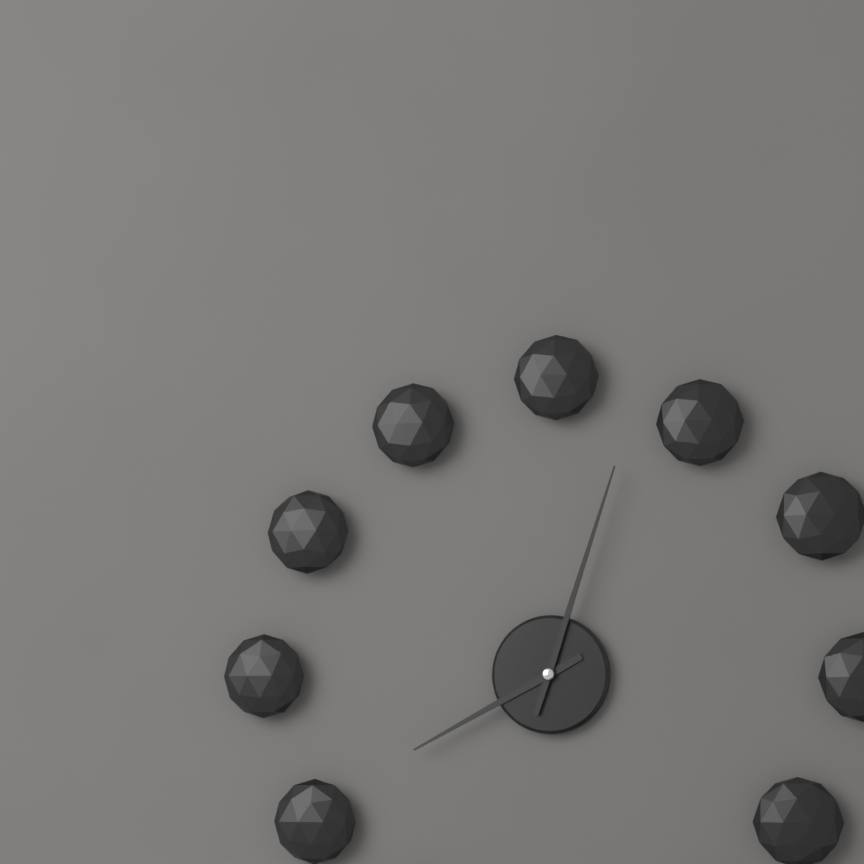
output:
8.03
